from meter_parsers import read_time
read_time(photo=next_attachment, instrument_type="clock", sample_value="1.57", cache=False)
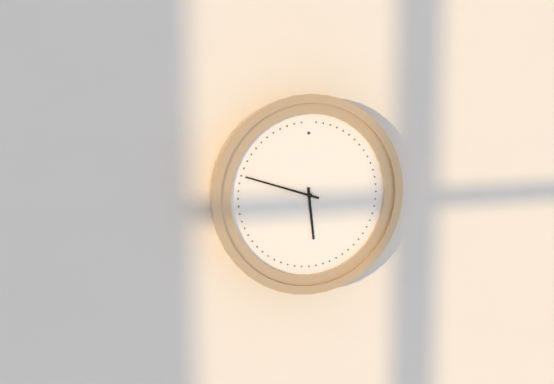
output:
5.48
